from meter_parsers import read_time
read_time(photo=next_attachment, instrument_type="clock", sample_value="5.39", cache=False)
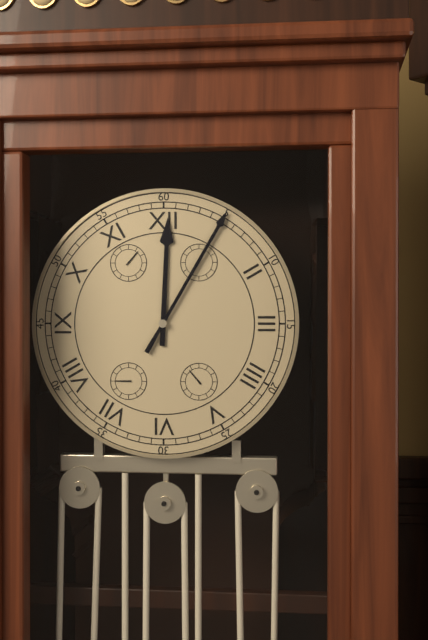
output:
12.05
